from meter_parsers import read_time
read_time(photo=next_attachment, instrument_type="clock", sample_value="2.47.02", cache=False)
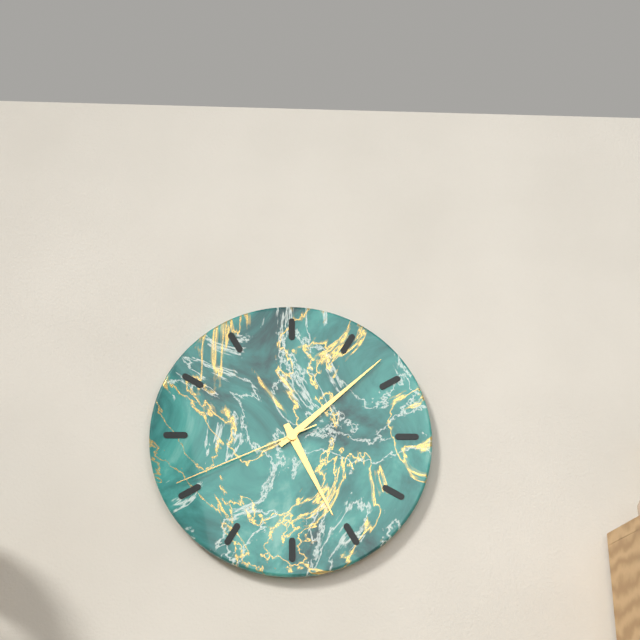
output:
5.08.41
